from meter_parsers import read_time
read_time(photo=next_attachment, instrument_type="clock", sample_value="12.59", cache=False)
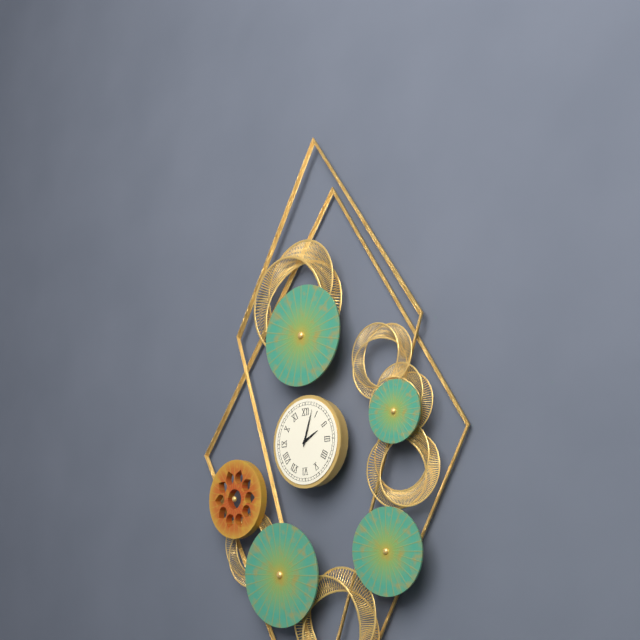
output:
2.03
